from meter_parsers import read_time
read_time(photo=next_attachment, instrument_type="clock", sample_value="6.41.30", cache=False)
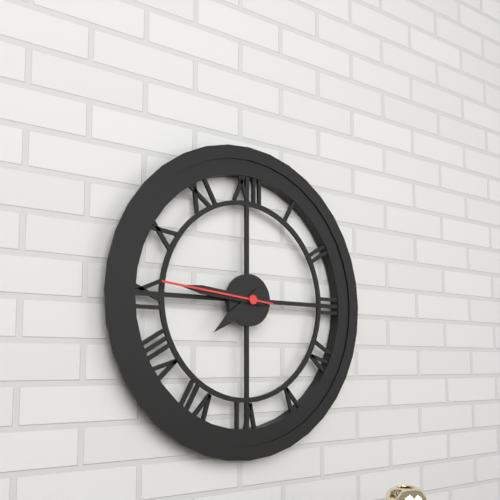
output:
7.46.46
